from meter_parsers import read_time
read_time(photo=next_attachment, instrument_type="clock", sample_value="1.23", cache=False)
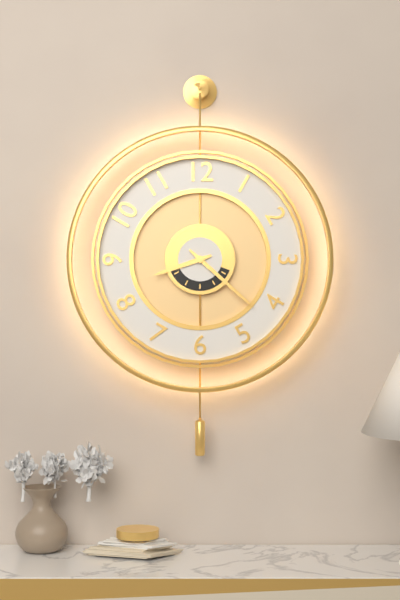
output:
8.22
